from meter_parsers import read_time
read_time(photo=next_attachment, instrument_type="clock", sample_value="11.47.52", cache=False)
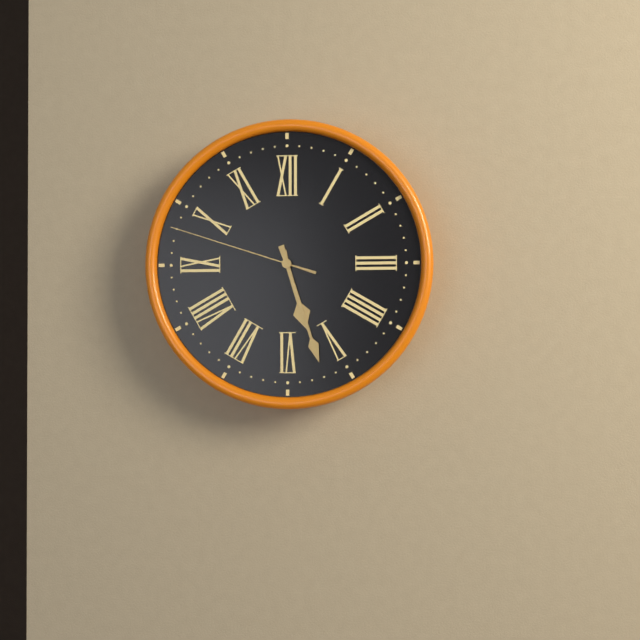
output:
5.27.48
